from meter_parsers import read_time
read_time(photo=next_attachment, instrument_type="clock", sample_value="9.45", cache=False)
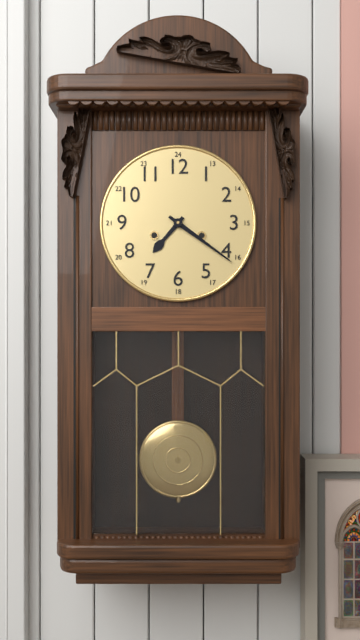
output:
7.21
